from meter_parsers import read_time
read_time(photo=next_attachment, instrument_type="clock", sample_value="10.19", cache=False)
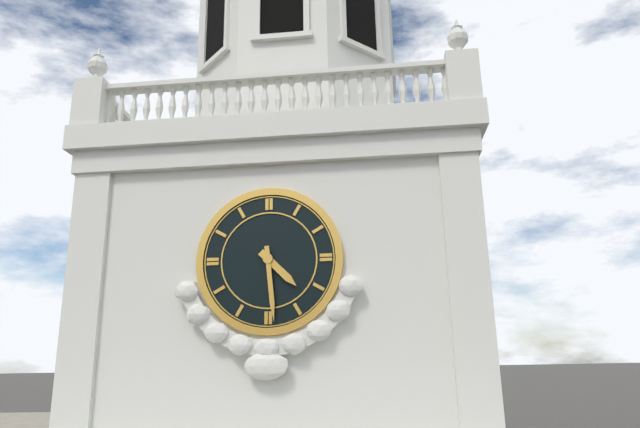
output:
4.29
